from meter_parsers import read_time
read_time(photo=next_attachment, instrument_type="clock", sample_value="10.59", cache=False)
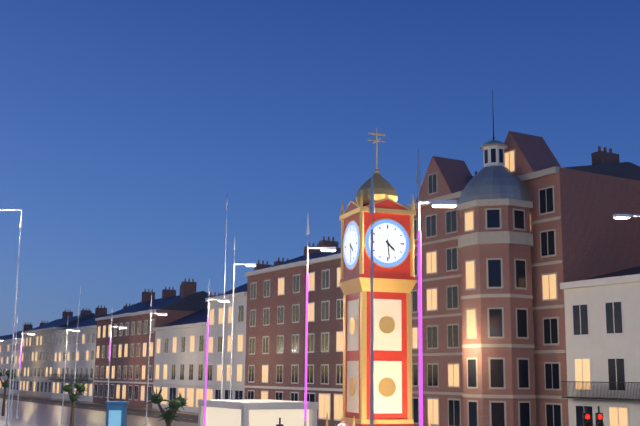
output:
4.29
